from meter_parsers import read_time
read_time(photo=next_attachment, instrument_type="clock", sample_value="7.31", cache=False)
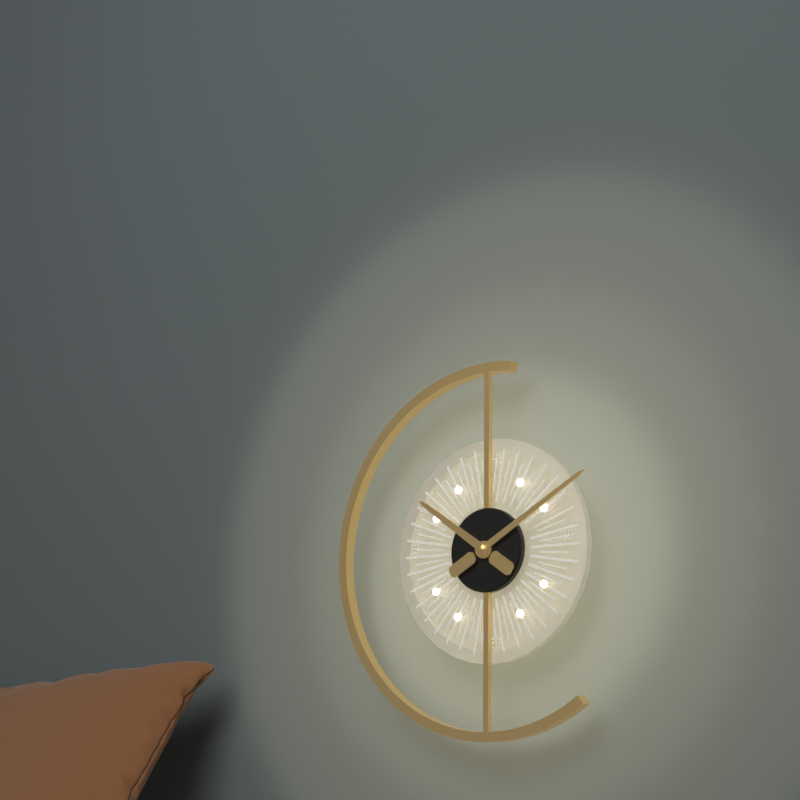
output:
10.10
